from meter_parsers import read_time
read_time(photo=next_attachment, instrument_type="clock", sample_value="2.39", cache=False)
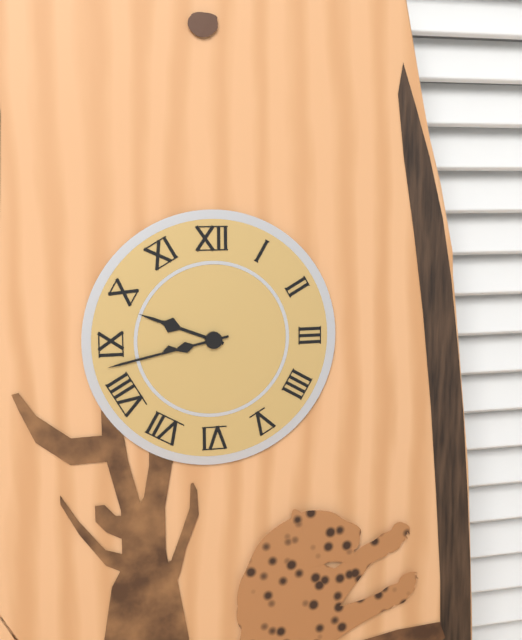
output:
9.43
